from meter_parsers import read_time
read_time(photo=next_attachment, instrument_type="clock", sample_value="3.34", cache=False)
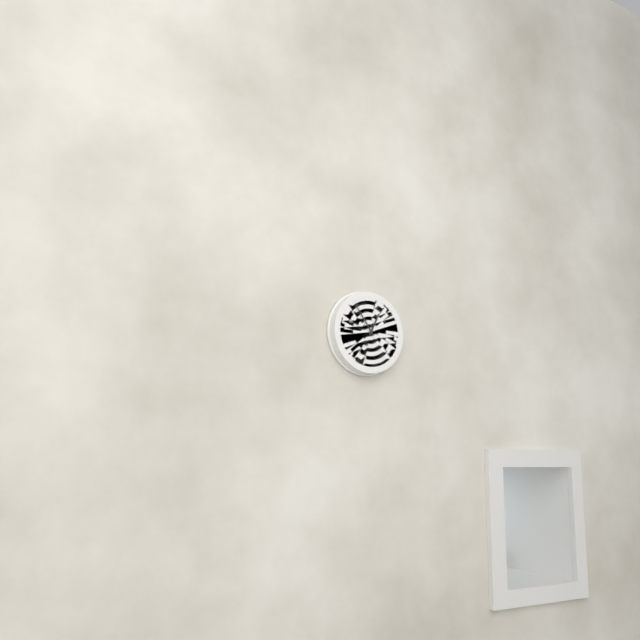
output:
12.54
